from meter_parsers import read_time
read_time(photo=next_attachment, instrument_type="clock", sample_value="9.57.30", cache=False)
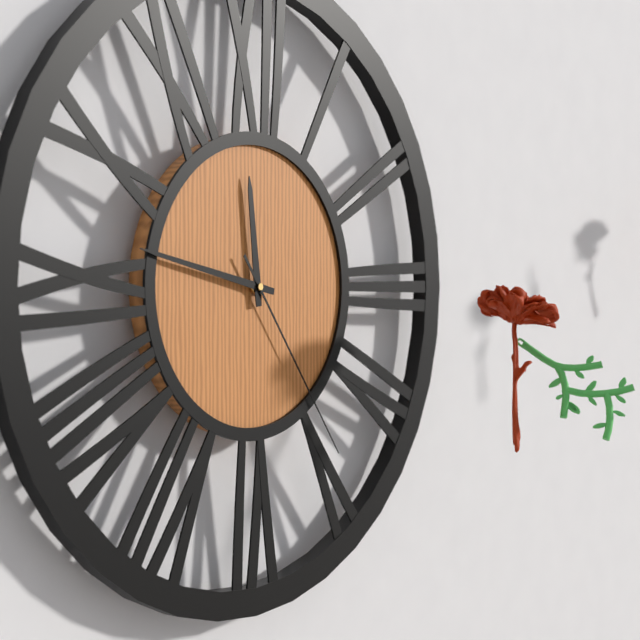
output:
11.47.24
